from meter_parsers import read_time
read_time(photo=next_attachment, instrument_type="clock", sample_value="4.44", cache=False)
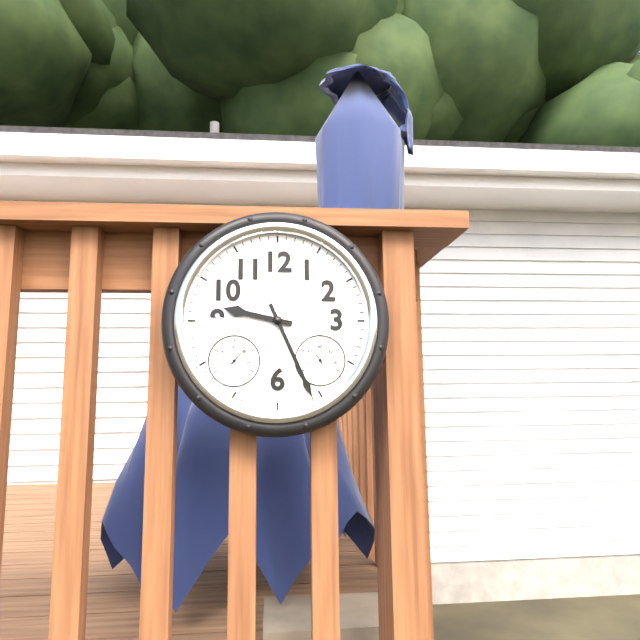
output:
9.26
